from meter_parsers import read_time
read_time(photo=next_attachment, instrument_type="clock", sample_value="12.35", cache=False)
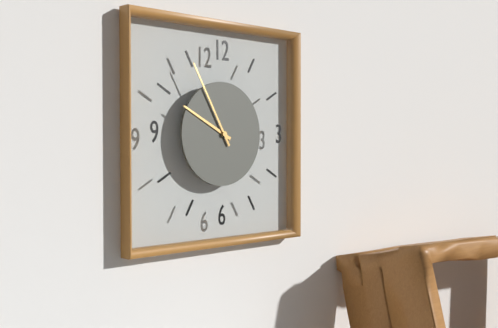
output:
9.55
